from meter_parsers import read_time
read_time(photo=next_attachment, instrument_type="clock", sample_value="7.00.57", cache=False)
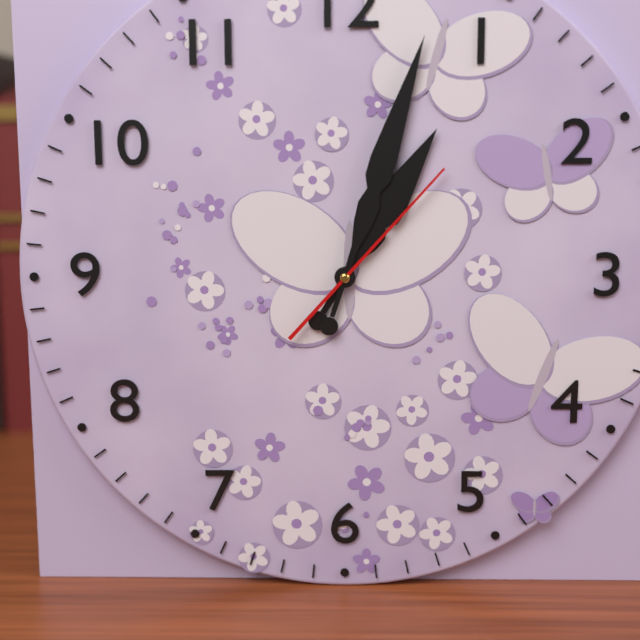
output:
1.03.07
